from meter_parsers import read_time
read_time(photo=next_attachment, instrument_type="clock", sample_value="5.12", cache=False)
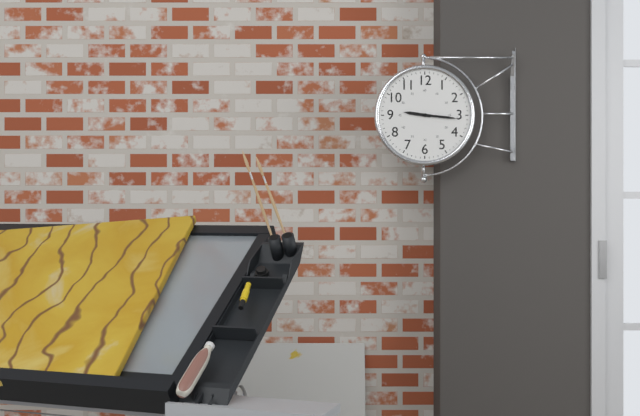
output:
9.16
